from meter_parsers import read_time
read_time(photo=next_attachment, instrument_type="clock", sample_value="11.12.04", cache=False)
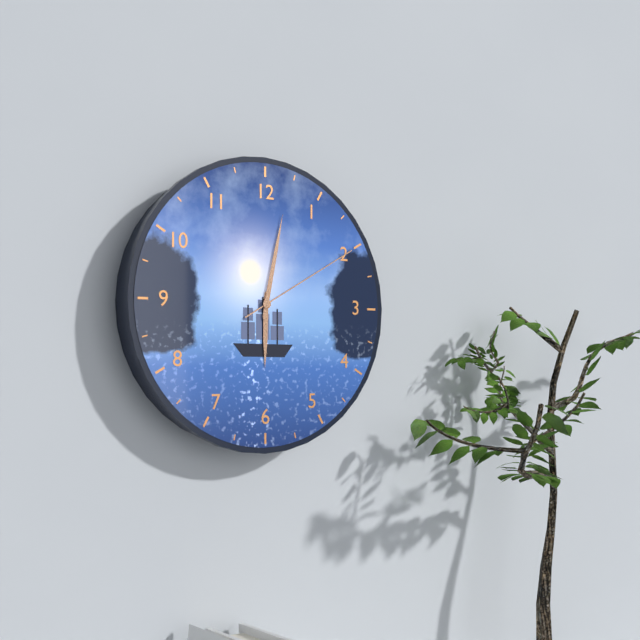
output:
6.02.10
